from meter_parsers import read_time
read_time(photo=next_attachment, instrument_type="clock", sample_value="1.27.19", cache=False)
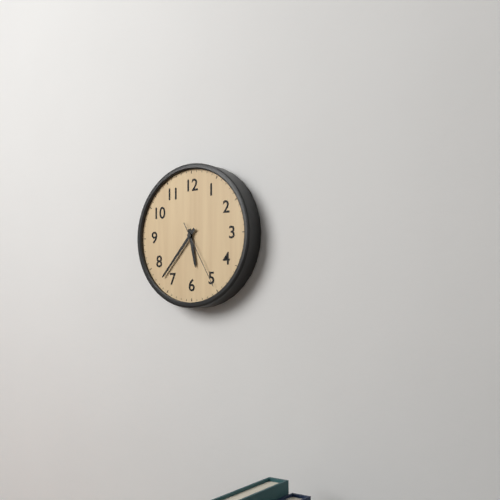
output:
5.37.25
